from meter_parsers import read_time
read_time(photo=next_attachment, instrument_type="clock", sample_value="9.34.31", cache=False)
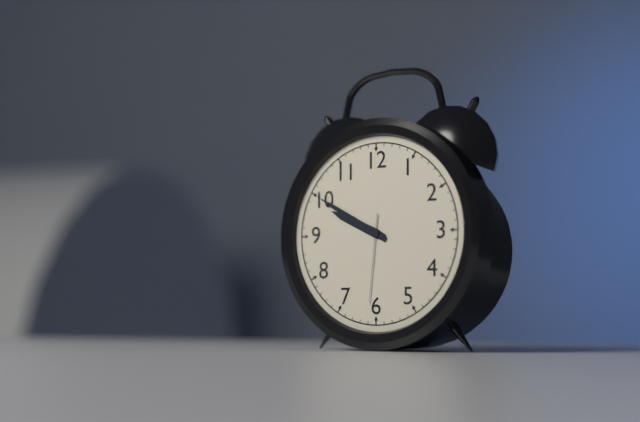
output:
9.50.31
